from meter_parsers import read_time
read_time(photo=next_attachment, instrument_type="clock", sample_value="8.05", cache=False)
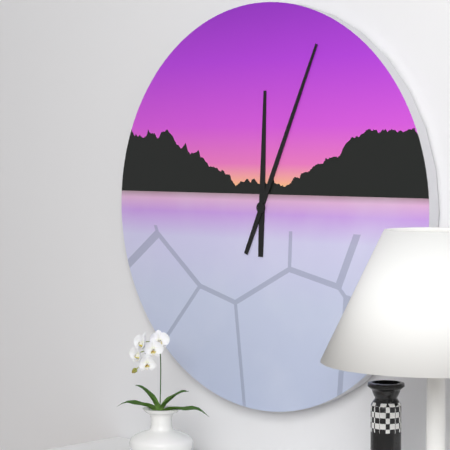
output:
12.04
